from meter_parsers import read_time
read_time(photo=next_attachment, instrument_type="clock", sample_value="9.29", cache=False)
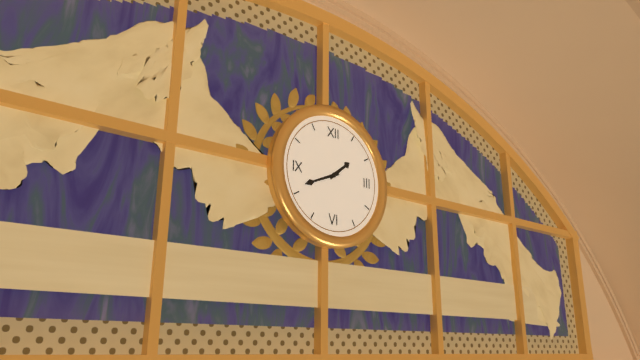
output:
1.41
